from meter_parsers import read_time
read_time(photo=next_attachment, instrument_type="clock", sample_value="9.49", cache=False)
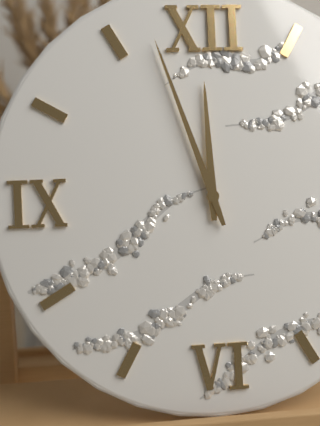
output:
11.57
